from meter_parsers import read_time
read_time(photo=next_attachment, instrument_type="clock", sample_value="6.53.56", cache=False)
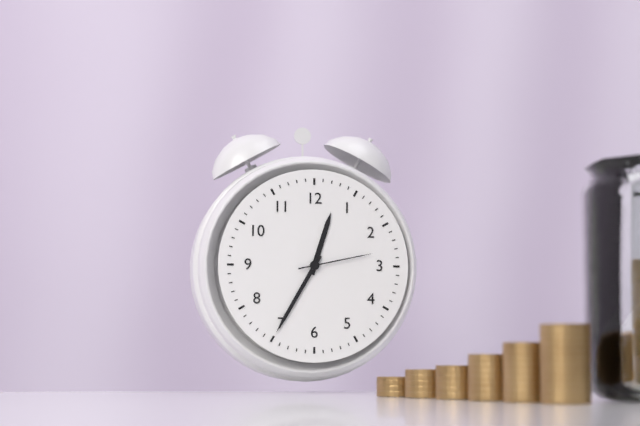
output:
12.35.13
